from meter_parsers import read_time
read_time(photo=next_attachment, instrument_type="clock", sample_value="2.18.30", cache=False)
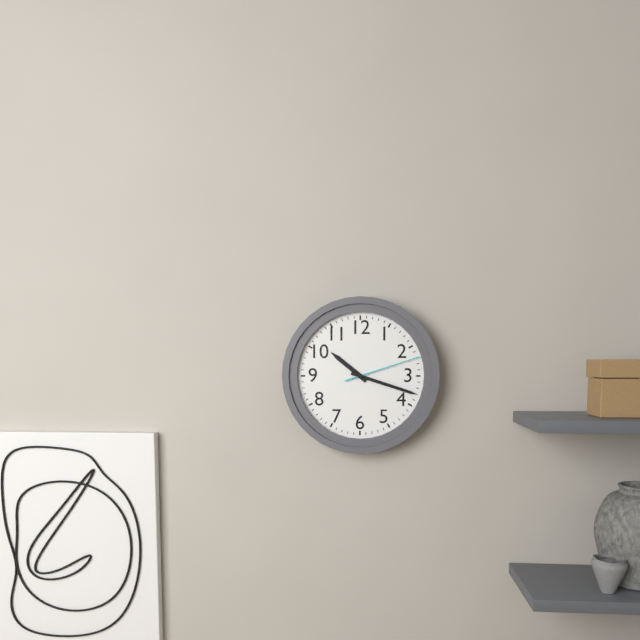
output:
10.18.12
